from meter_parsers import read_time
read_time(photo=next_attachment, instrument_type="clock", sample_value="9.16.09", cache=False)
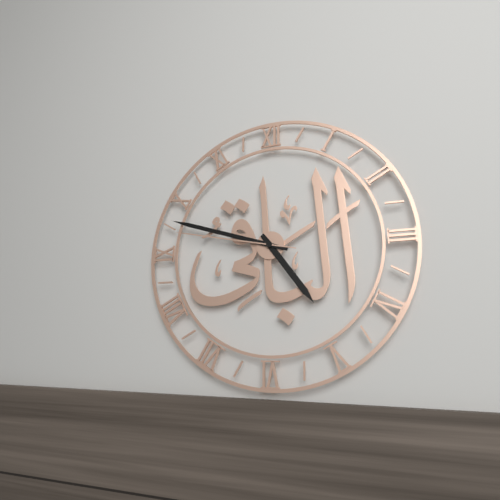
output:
4.48.47
